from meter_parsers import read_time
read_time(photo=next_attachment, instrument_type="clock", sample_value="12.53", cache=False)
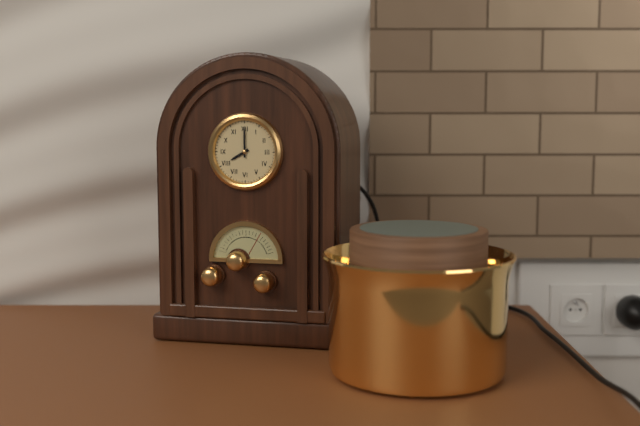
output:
8.00
